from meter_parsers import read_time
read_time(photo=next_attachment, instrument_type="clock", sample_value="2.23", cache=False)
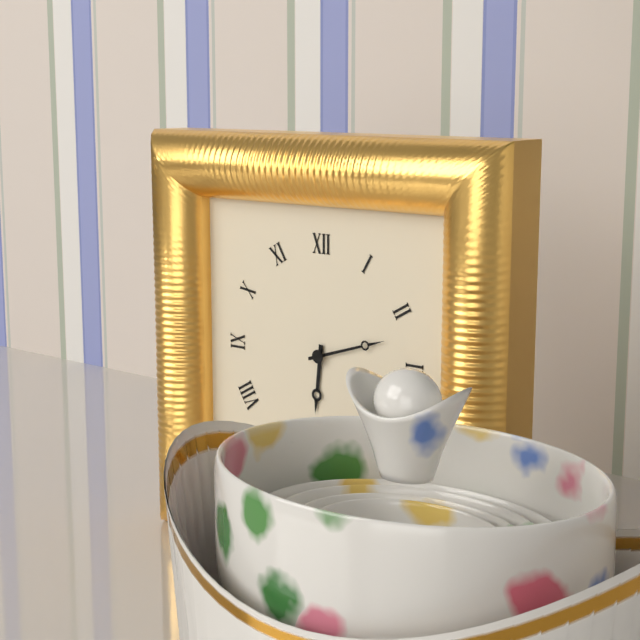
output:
6.12
